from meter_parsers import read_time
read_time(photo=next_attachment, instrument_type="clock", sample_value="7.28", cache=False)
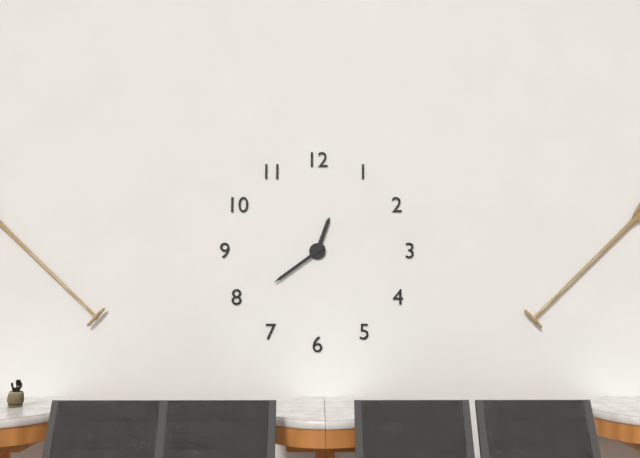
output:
12.39
